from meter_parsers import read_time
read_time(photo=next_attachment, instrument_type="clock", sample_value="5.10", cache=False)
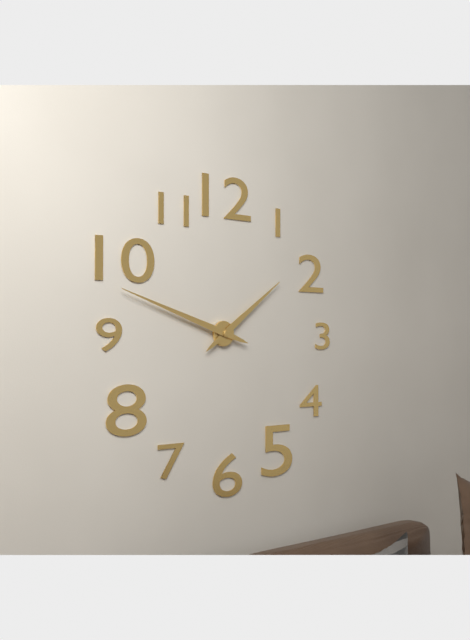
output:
1.48
